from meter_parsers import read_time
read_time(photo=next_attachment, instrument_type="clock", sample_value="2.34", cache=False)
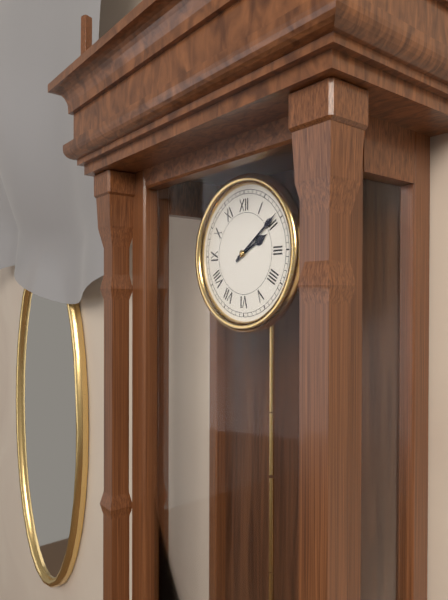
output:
2.09
